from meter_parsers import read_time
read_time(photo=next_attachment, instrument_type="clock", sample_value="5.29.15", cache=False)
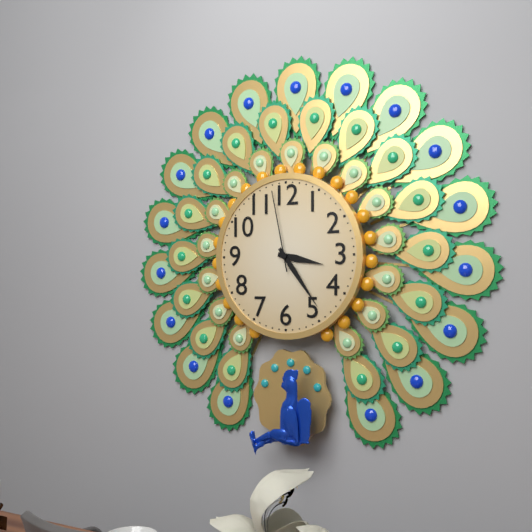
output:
3.24.58
